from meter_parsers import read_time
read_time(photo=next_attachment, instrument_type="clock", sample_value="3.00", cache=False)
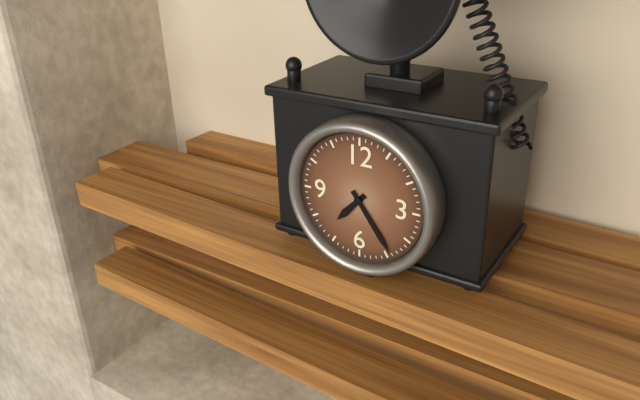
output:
7.24
